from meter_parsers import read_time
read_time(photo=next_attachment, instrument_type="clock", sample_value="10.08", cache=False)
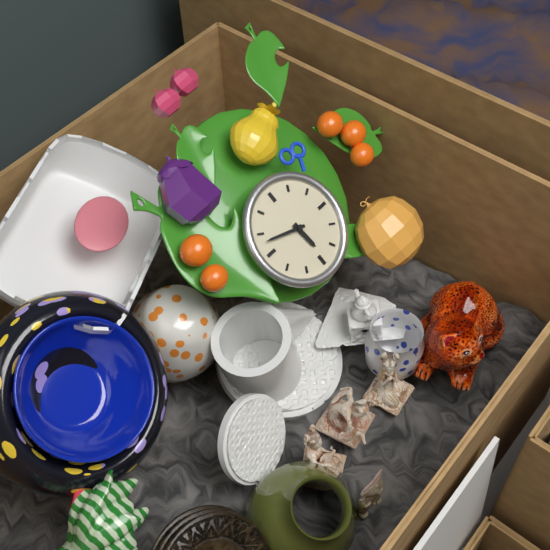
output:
5.48
